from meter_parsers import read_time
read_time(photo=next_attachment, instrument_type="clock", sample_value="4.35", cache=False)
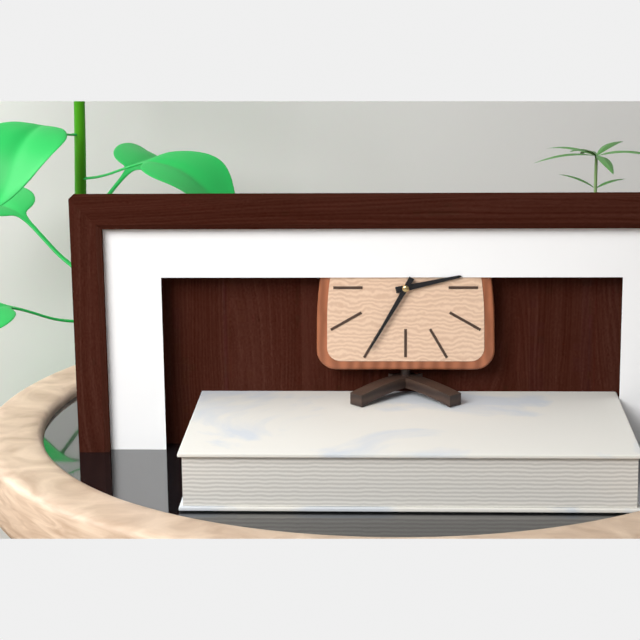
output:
2.35
